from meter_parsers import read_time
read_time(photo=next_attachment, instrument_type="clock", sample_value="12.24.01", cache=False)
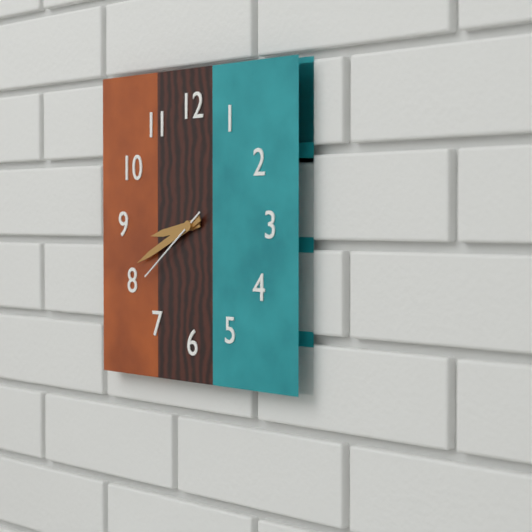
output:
8.41.39
